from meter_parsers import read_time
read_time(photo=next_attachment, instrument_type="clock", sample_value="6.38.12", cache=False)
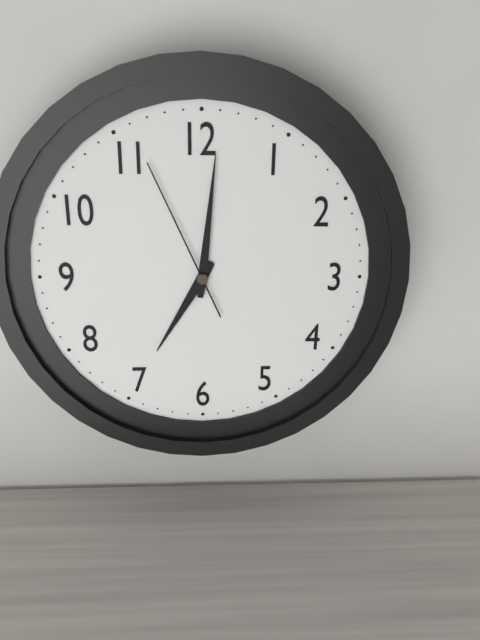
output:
7.01.56
